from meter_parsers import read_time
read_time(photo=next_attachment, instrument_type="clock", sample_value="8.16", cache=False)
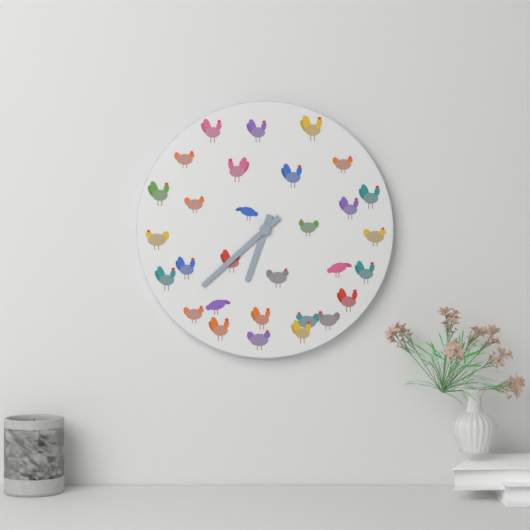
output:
6.38
